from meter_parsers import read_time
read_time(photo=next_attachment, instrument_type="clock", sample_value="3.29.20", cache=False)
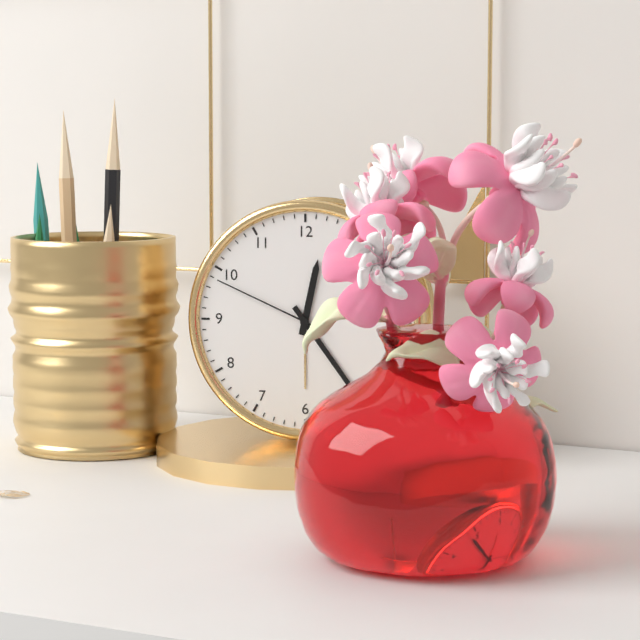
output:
12.24.49
